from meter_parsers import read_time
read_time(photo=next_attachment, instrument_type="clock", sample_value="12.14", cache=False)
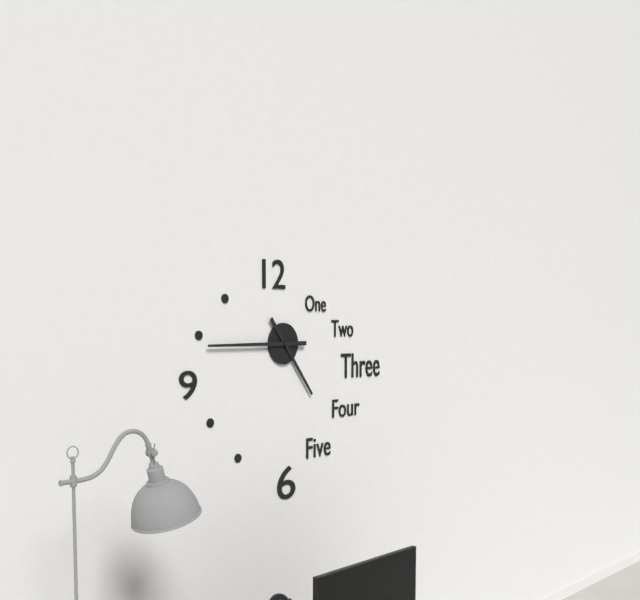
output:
4.45
